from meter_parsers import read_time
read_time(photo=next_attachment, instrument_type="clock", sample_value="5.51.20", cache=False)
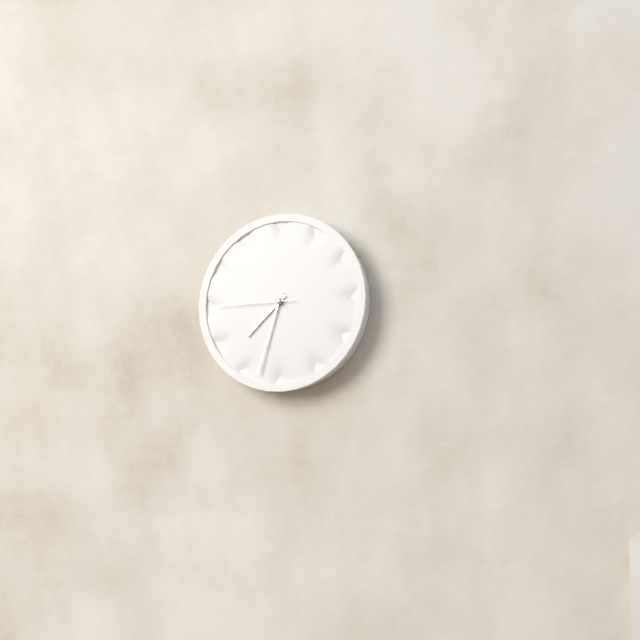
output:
7.33.45
